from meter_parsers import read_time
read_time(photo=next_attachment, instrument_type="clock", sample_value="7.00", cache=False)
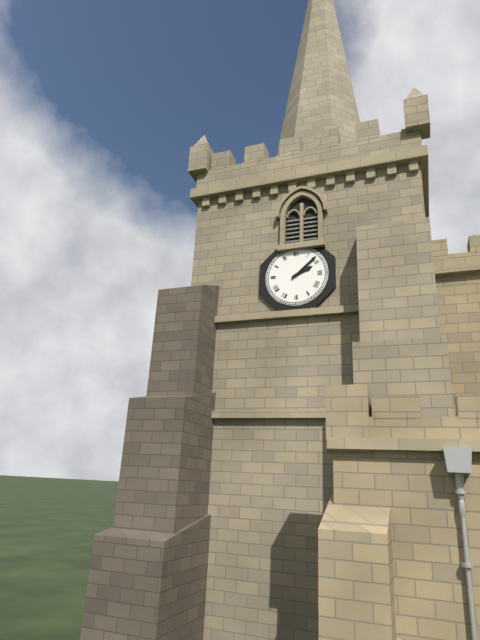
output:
2.08
